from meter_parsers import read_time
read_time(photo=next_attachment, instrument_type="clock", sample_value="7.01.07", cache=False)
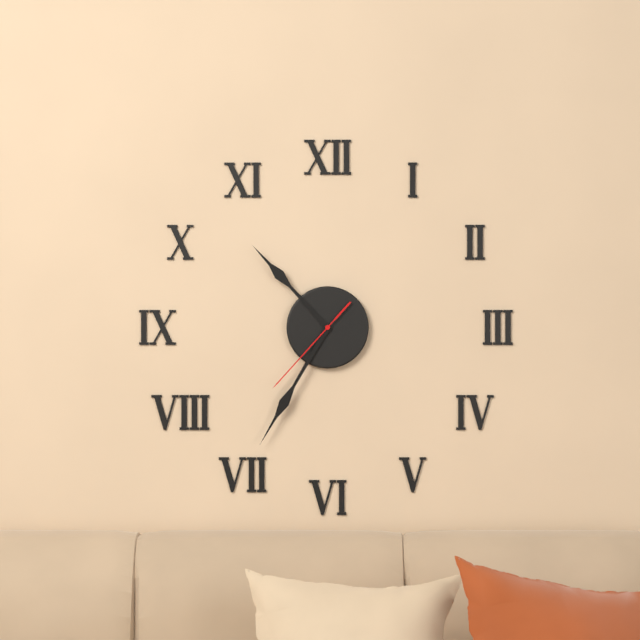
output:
10.35.37
